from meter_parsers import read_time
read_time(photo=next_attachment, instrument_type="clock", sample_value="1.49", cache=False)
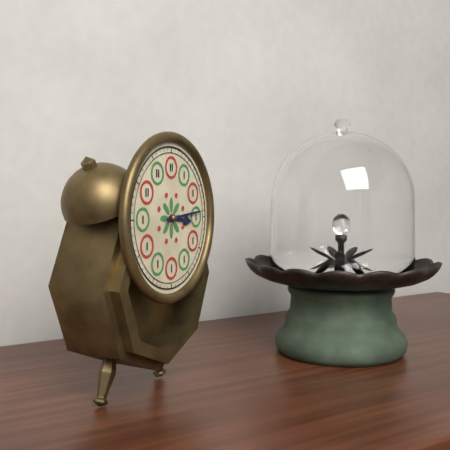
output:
3.14
